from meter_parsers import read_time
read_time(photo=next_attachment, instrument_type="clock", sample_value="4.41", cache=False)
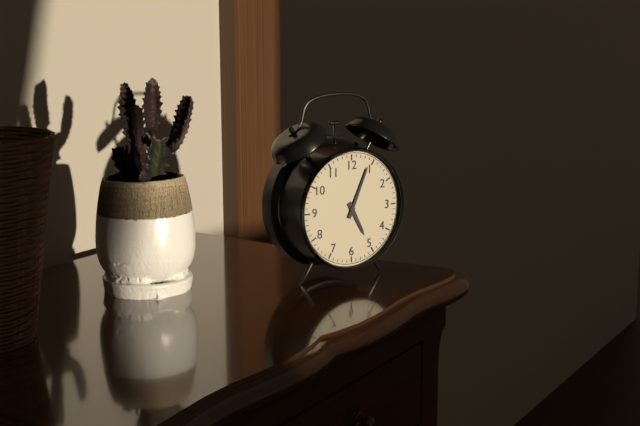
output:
5.04
